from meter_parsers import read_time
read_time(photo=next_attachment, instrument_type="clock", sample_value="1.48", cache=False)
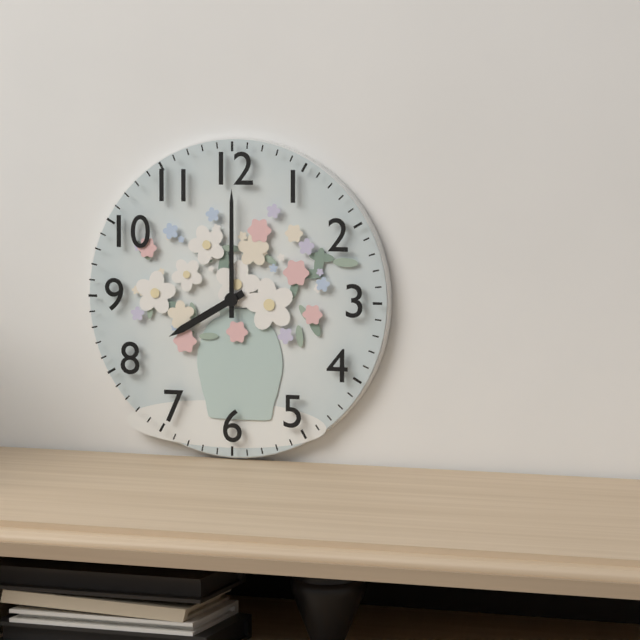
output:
8.00
